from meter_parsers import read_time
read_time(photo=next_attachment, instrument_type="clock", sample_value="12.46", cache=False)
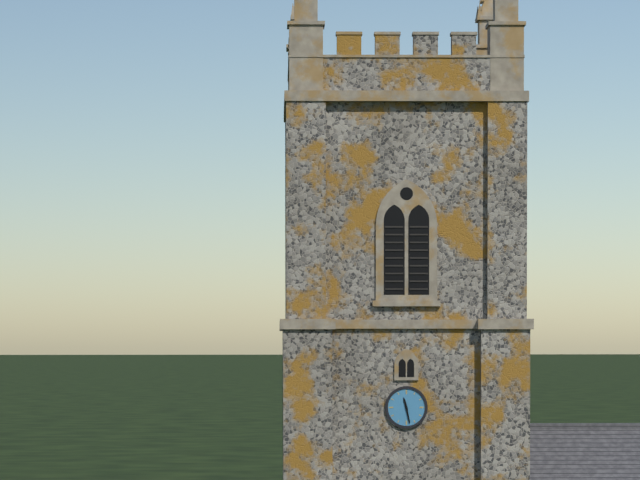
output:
11.28
